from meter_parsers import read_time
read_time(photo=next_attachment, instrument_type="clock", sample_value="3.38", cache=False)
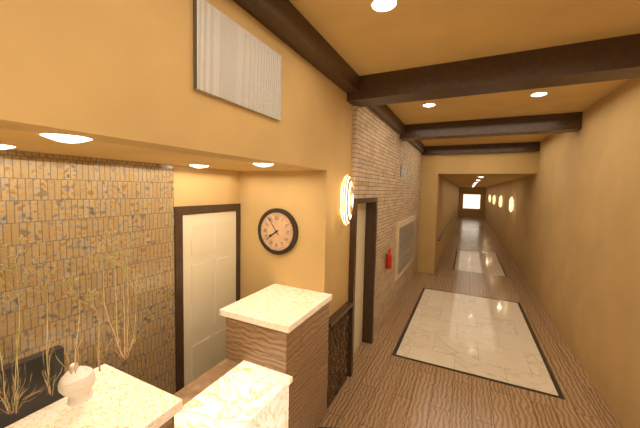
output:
7.54
